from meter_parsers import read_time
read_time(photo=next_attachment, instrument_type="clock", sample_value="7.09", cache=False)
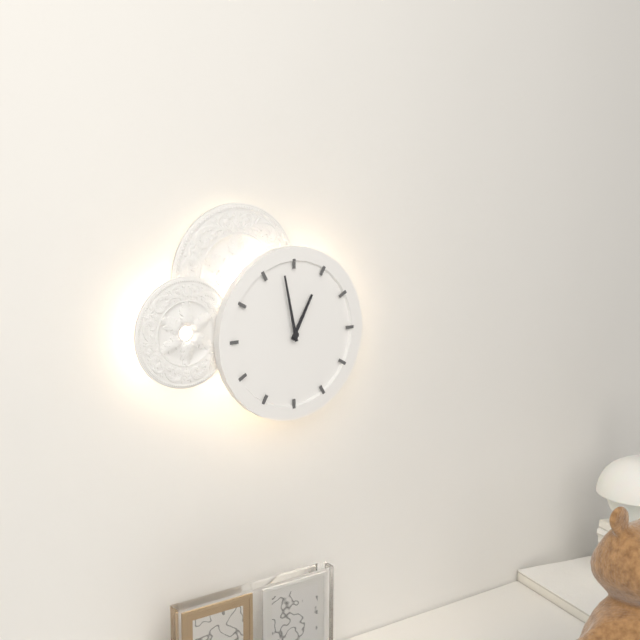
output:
12.58
